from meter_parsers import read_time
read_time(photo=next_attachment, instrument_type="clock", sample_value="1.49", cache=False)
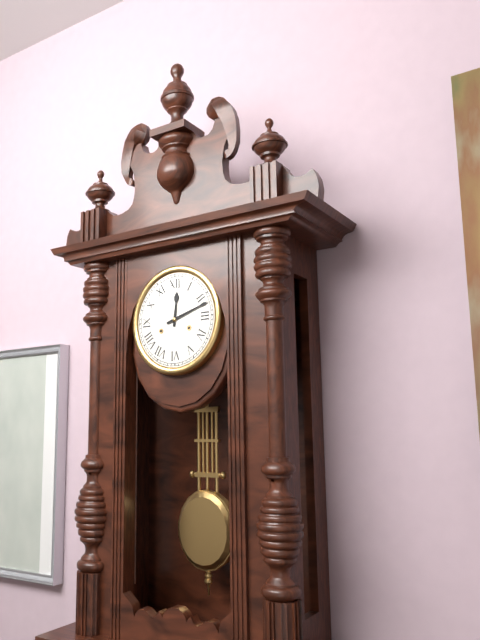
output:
12.12
